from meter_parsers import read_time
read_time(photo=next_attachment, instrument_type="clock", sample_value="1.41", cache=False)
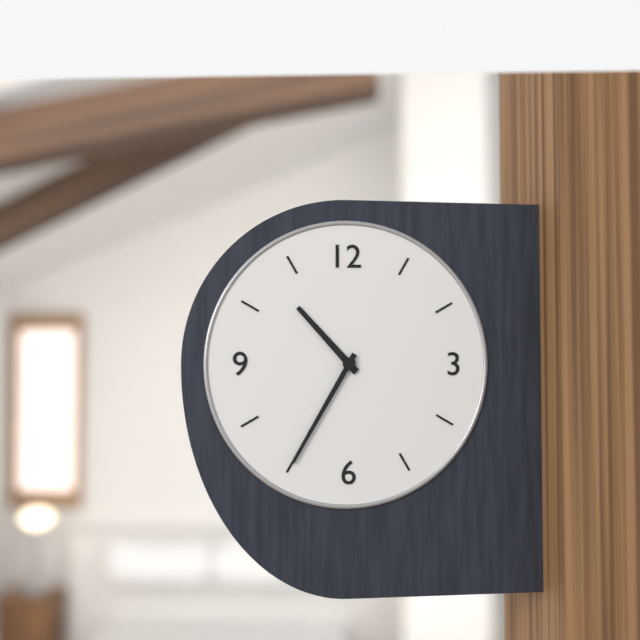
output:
10.35
